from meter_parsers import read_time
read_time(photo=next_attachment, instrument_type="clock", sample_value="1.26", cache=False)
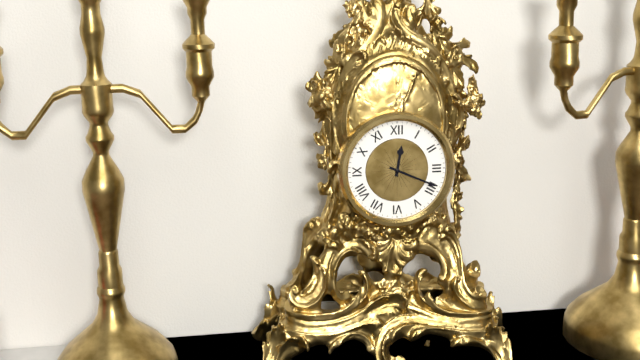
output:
12.19
